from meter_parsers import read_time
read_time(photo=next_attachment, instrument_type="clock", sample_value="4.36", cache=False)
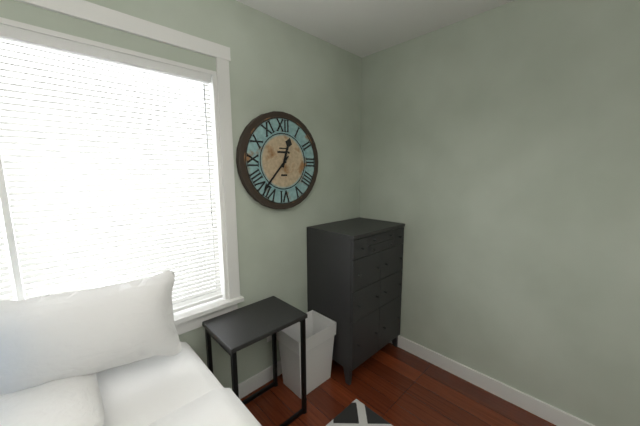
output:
12.37
